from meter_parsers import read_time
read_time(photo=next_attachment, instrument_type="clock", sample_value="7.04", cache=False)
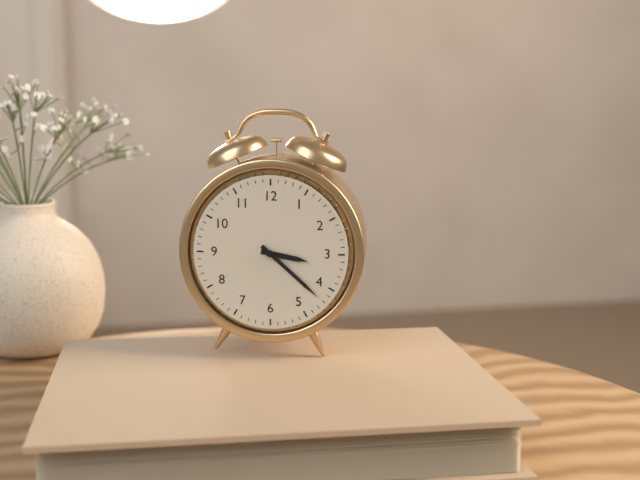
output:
3.22
